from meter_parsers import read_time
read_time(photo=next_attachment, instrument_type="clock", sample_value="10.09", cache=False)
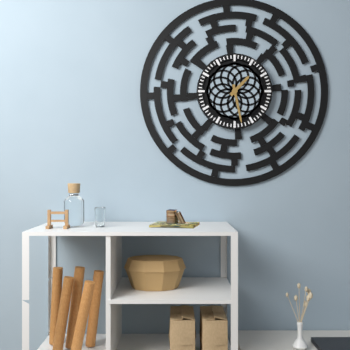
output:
1.28
